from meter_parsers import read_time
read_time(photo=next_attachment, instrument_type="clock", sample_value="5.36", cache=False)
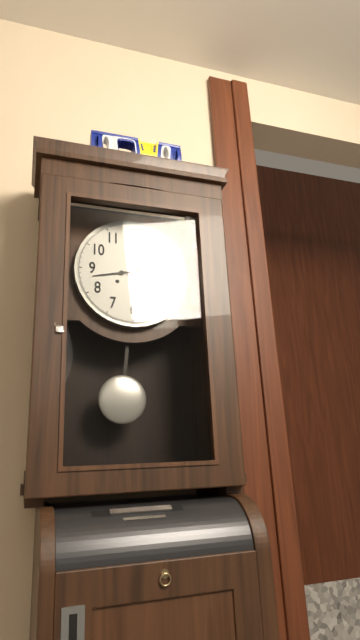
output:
1.43
